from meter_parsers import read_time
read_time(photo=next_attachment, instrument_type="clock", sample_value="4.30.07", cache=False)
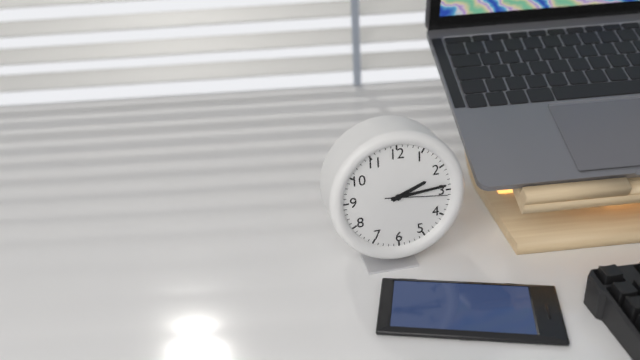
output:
2.14.16
